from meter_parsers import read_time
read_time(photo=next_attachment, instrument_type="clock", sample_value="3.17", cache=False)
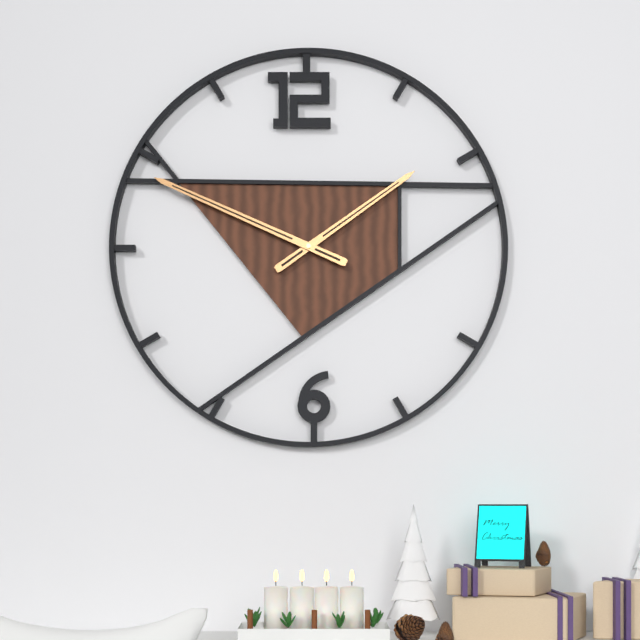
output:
1.49
